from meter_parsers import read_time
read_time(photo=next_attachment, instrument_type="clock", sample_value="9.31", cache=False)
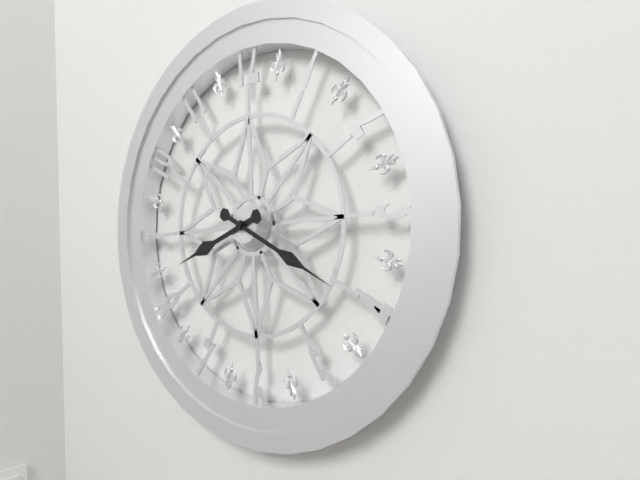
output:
8.20
